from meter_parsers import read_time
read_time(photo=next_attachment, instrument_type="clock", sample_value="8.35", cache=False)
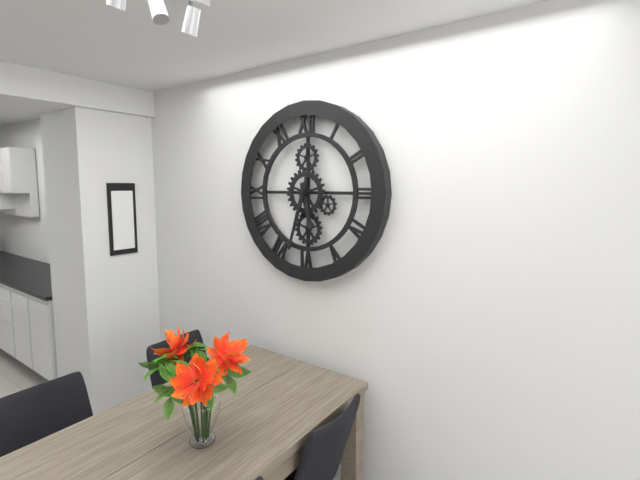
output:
5.33
